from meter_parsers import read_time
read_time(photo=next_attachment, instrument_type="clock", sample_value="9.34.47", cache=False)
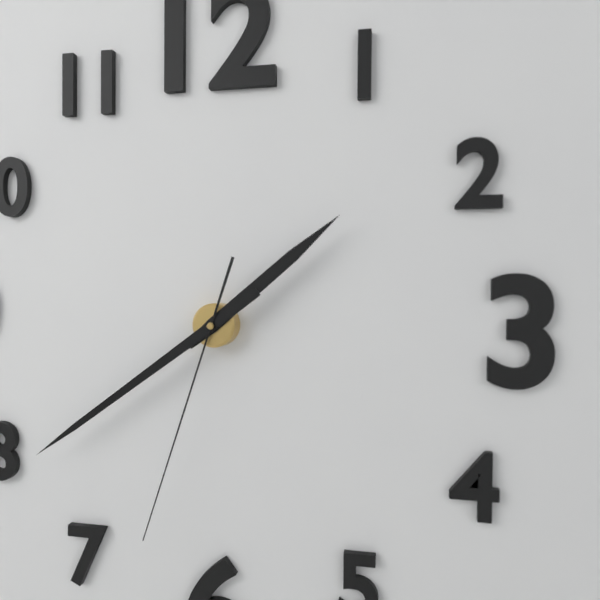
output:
1.39.33
